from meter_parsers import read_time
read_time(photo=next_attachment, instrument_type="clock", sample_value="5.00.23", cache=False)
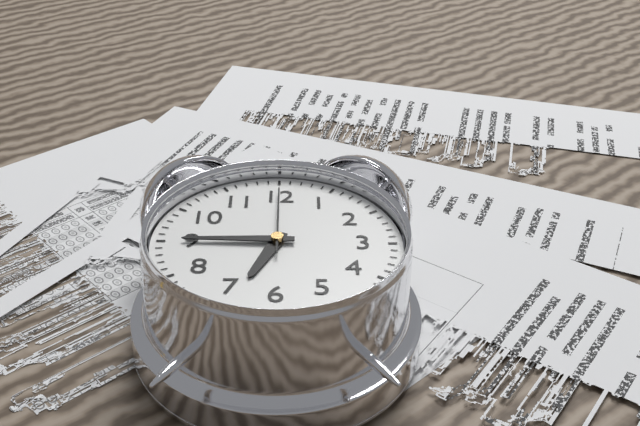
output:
6.45.00
